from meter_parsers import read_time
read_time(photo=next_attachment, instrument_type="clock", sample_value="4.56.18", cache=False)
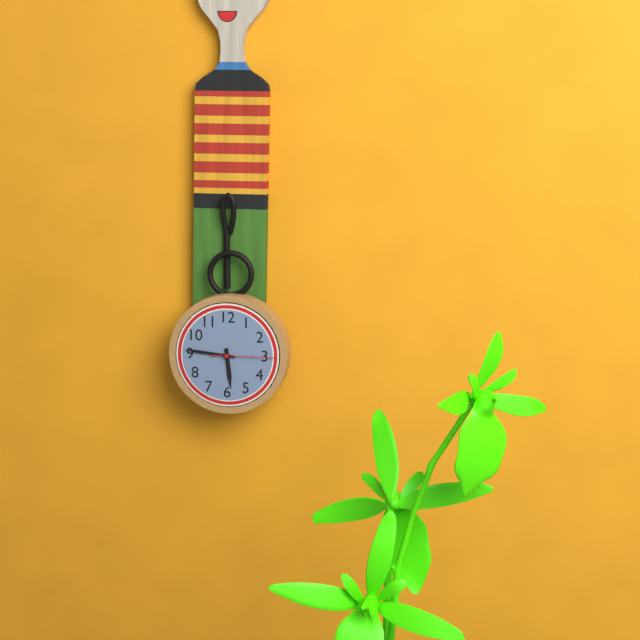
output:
5.46.15
